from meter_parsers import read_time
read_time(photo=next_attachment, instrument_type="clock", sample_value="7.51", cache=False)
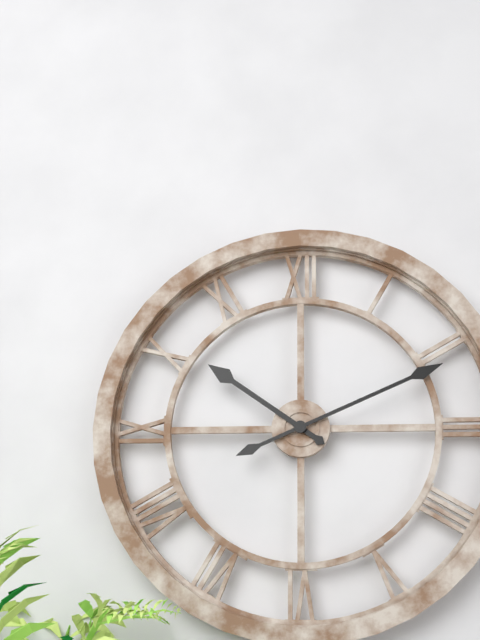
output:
10.11
